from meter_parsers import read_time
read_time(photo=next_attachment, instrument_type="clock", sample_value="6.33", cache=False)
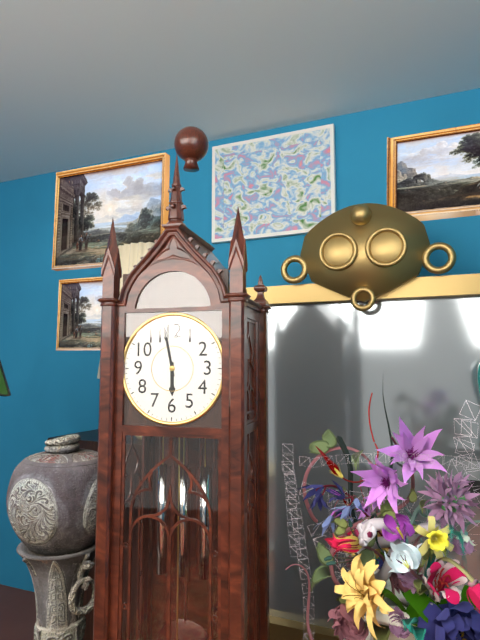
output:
5.58
